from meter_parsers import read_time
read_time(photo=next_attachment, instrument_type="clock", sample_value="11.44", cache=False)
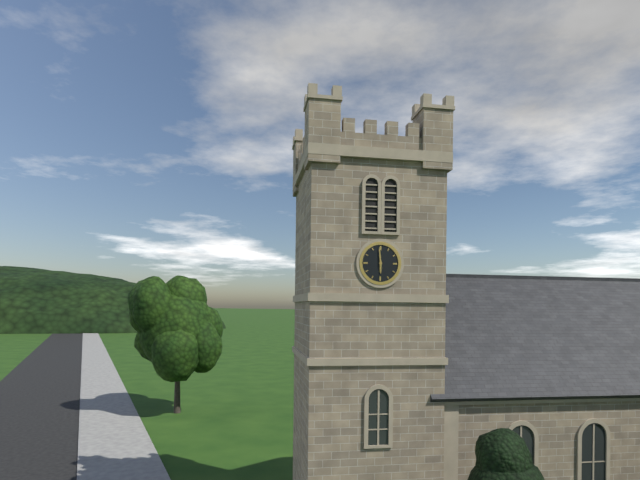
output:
5.59
